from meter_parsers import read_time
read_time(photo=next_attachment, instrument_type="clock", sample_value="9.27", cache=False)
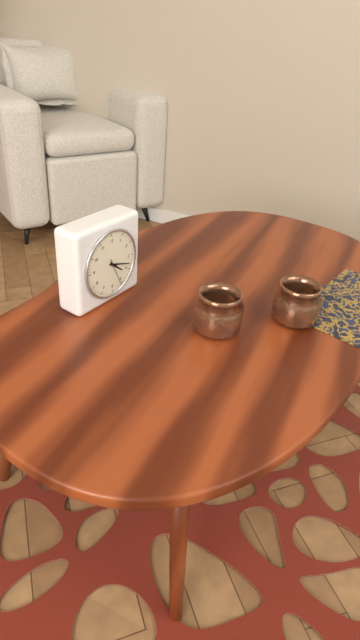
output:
4.18
